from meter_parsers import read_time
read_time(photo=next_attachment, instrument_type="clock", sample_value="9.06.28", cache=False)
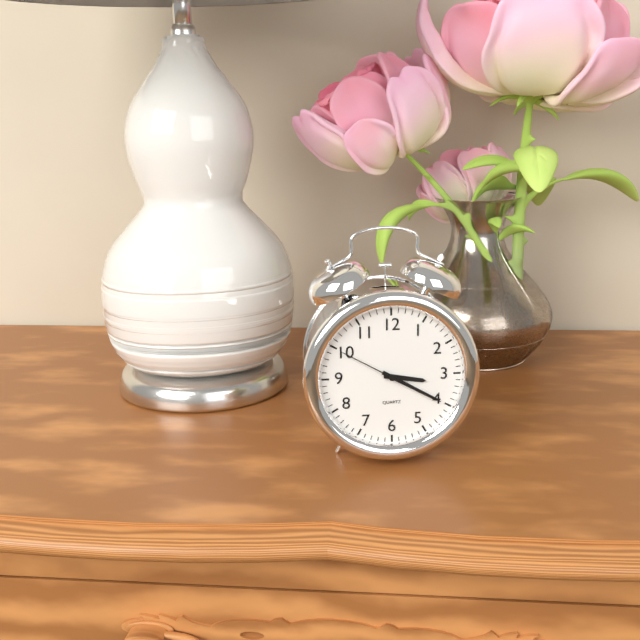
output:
3.20.50
